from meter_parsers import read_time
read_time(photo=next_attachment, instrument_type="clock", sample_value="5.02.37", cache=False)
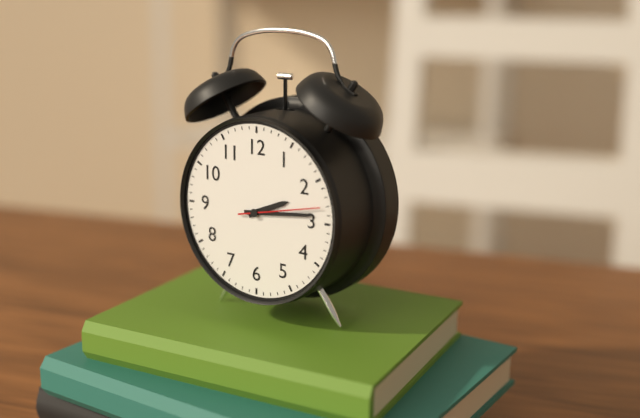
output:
2.14.13
